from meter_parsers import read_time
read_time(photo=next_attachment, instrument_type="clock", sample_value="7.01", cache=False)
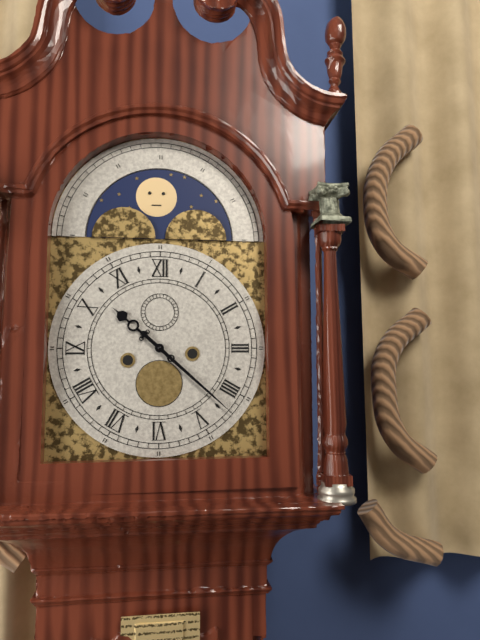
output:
10.22
